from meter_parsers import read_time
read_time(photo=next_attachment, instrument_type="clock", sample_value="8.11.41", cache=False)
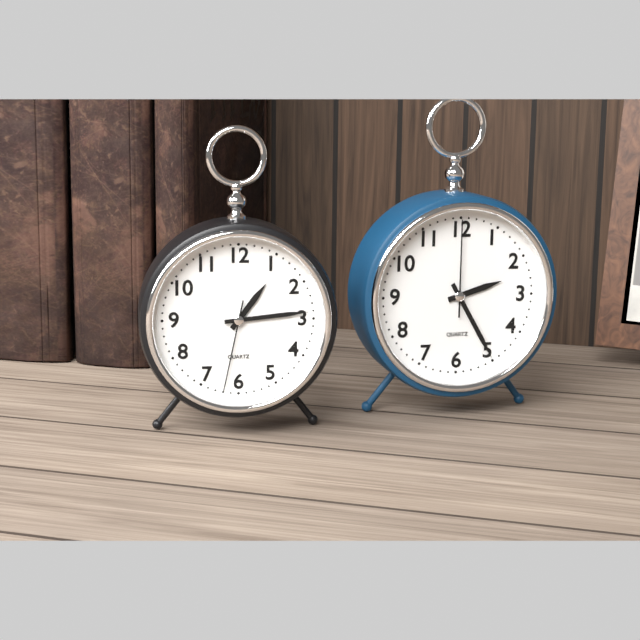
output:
1.14.32
